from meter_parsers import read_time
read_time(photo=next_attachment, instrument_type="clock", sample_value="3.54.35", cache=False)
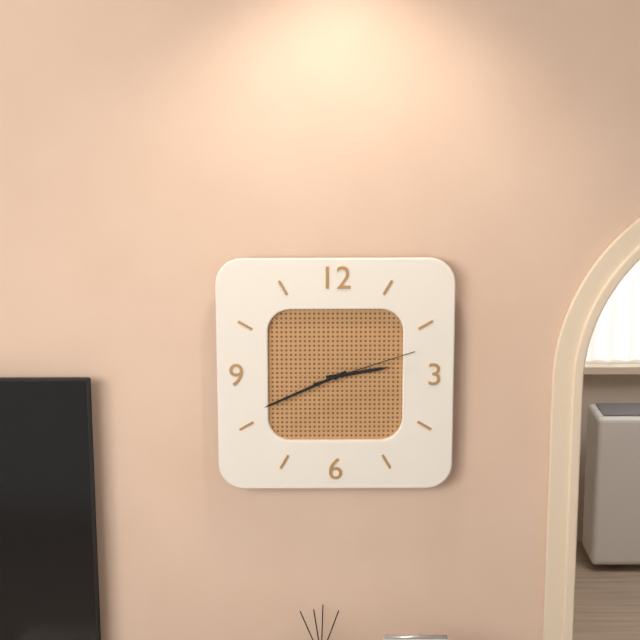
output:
2.41.12
